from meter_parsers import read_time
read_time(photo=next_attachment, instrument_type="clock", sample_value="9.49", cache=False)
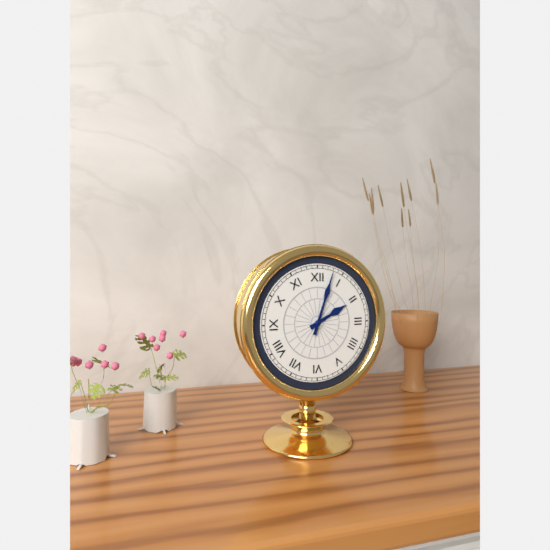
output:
2.03
